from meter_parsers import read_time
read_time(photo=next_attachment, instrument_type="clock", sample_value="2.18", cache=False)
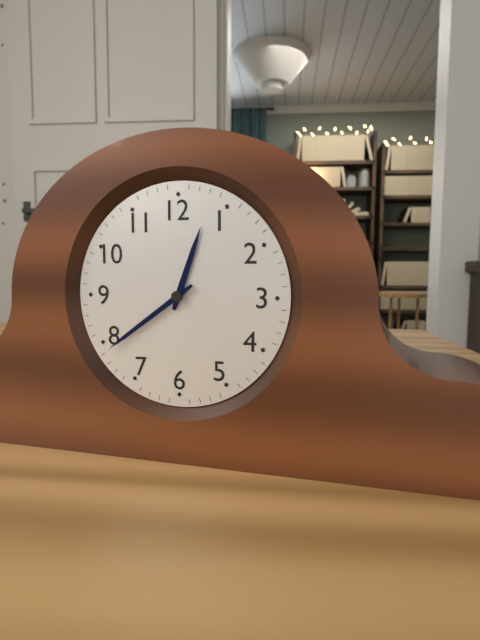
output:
12.39
